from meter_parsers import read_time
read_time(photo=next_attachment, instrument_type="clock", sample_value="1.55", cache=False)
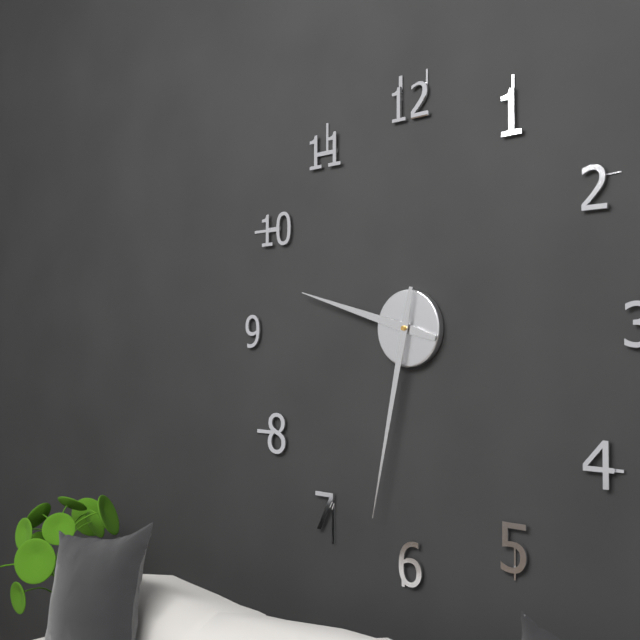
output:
9.32
